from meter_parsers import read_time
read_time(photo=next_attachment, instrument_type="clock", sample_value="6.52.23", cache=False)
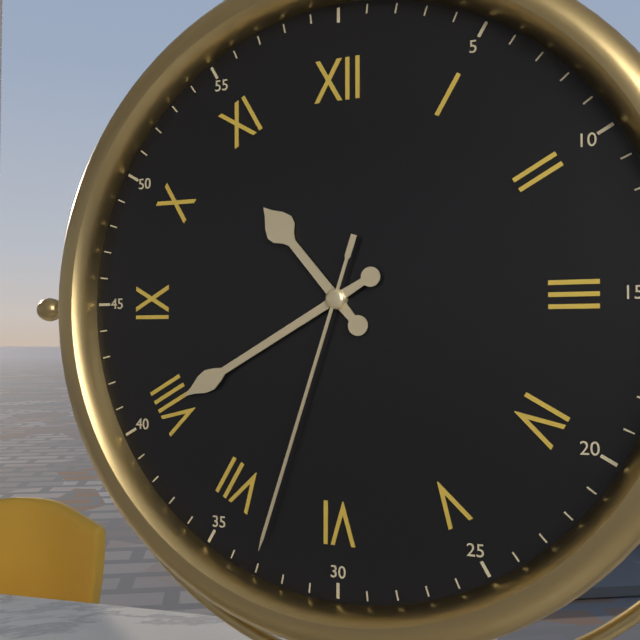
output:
10.40.33
